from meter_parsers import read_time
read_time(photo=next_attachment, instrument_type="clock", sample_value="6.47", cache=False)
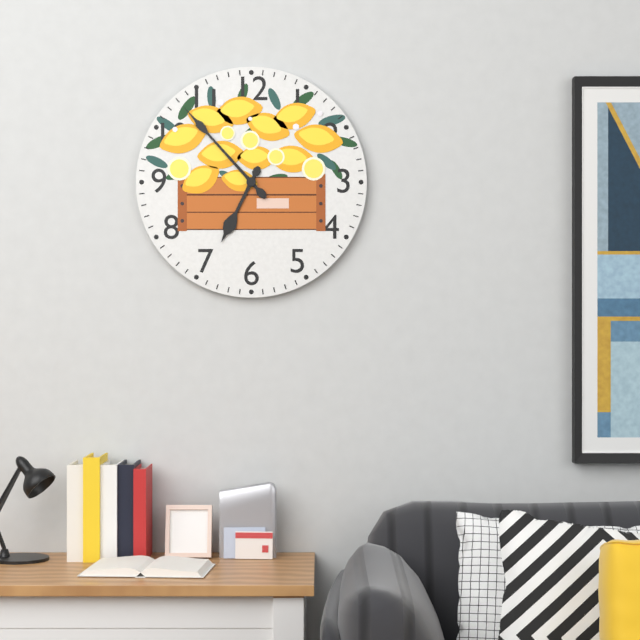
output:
6.53
